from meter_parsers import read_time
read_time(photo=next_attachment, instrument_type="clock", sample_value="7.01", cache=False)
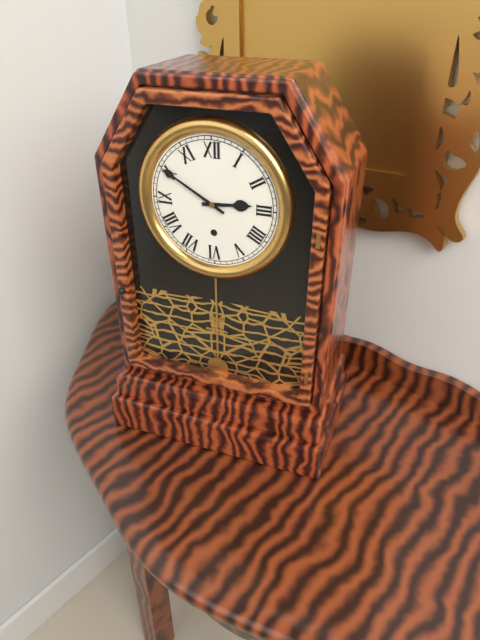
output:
2.50
